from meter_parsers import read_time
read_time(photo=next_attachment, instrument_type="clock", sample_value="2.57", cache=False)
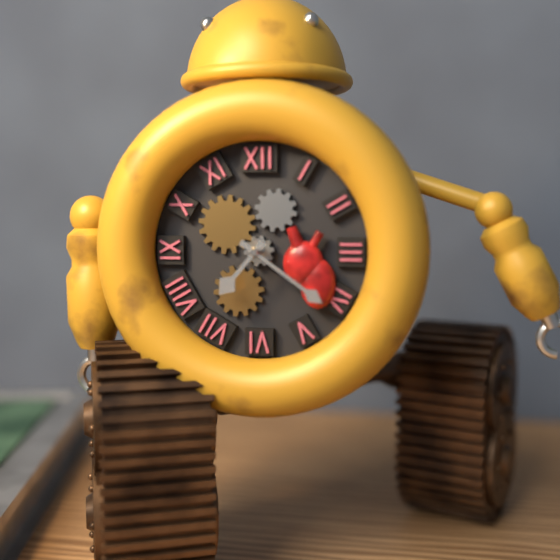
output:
7.21
